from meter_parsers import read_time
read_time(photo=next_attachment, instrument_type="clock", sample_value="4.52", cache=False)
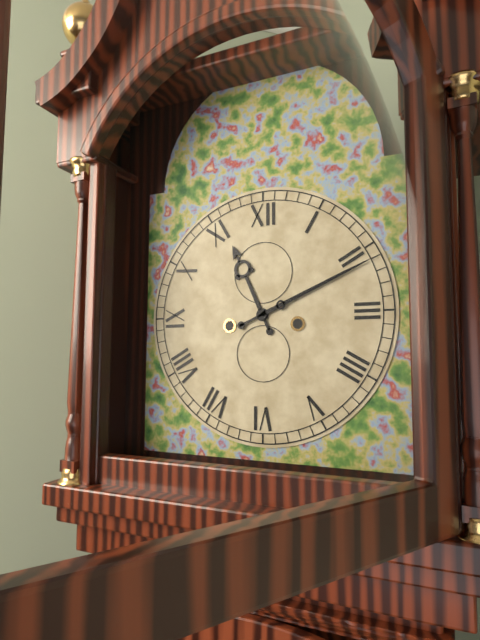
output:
11.11
